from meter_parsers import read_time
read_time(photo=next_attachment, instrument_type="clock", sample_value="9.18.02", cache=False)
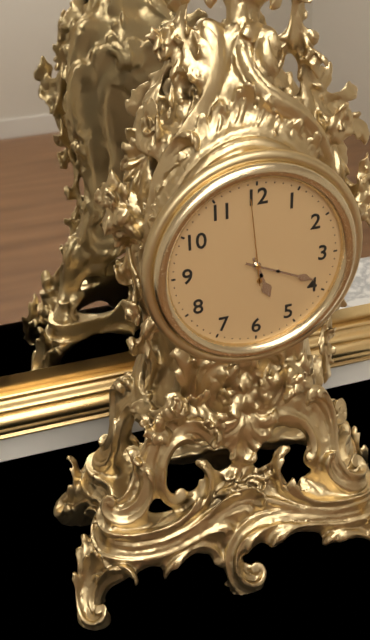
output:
5.19.59
